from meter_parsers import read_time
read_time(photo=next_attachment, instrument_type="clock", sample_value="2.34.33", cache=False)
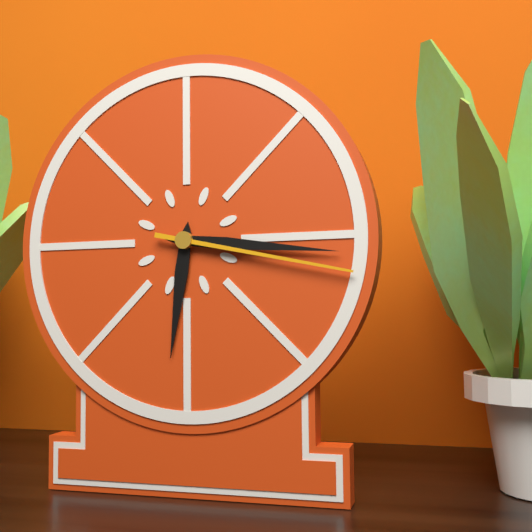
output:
6.16.17
